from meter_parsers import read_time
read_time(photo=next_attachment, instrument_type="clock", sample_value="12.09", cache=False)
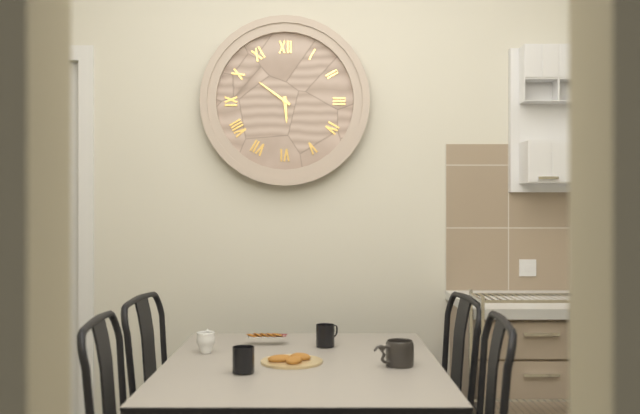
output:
5.51
